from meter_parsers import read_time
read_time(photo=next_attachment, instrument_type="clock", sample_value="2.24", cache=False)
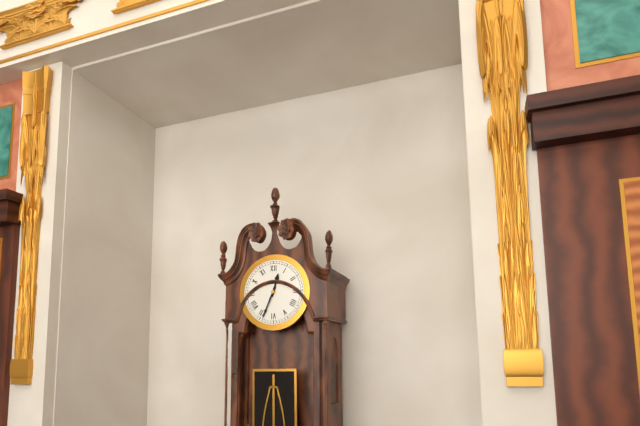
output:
12.34
